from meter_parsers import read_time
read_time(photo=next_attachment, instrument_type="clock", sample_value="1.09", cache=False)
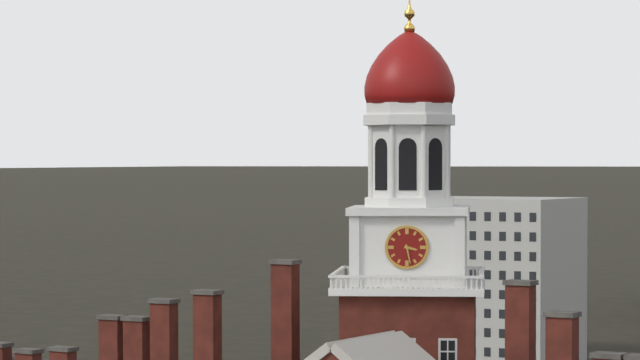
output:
3.28
